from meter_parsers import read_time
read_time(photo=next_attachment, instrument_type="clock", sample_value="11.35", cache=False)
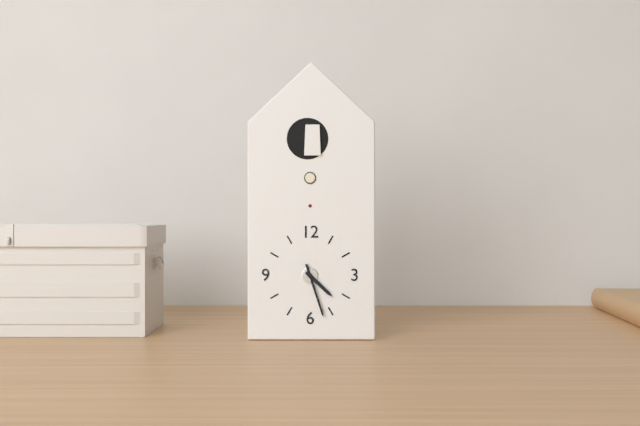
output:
4.27
